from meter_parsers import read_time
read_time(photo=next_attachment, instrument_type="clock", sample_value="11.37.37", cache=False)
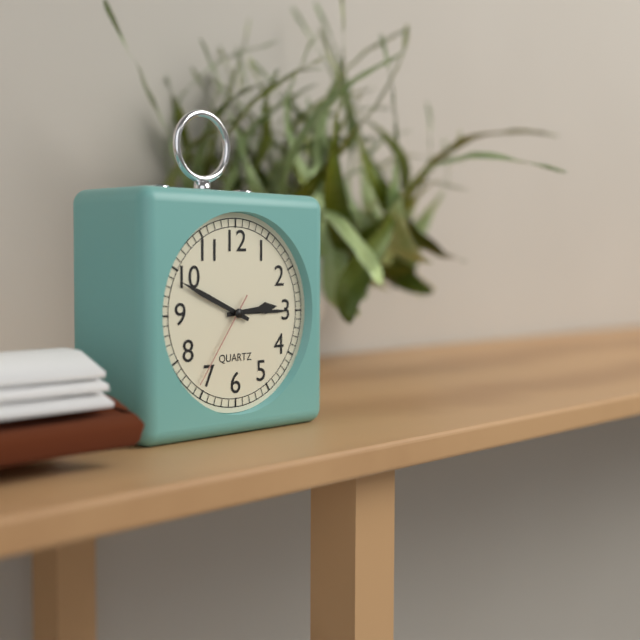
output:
2.49.36
